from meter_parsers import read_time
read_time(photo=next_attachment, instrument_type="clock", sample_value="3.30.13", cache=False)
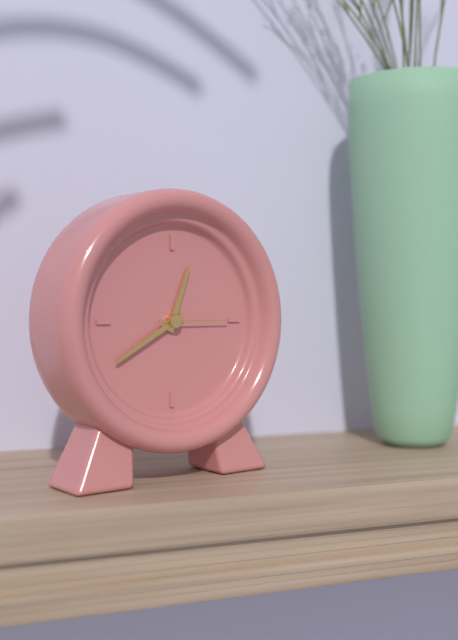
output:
12.40.15
